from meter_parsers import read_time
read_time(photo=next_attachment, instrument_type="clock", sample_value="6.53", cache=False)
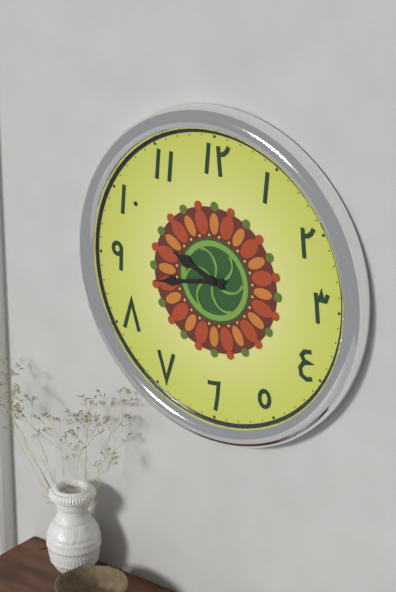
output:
9.43
